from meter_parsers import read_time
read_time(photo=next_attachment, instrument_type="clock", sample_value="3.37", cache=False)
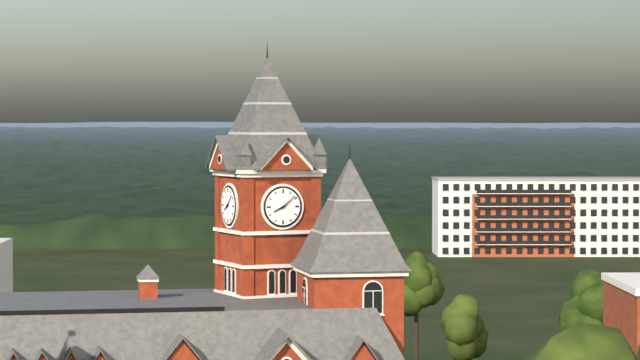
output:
8.08
